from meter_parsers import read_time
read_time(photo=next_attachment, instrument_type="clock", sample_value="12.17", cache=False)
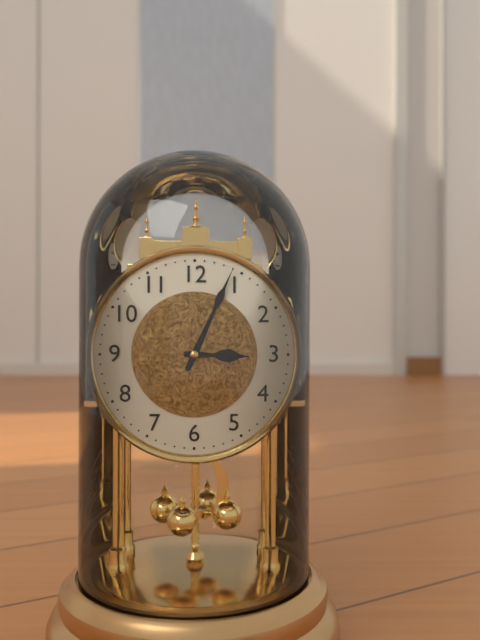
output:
3.04
